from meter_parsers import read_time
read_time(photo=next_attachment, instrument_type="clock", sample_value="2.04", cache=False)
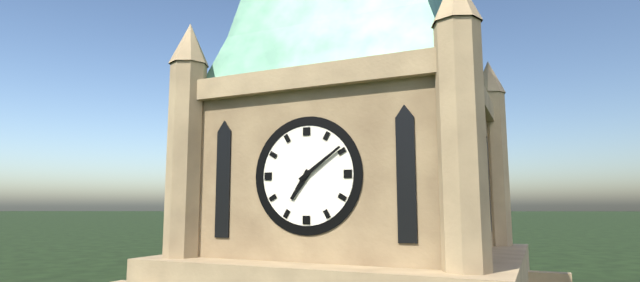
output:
7.09
